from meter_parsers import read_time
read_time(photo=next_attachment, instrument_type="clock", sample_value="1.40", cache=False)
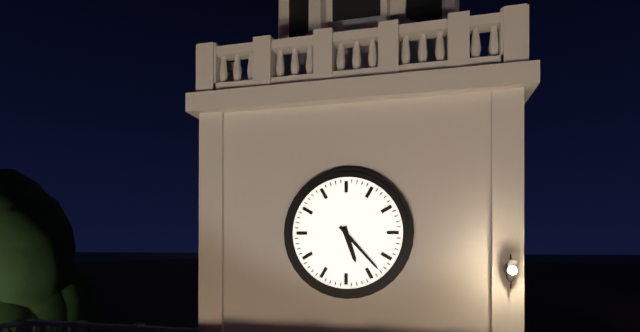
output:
5.23
